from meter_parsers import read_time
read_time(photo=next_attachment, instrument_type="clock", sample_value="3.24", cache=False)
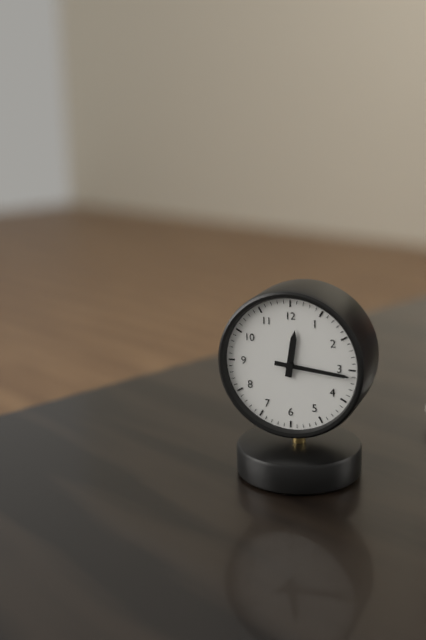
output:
12.16
